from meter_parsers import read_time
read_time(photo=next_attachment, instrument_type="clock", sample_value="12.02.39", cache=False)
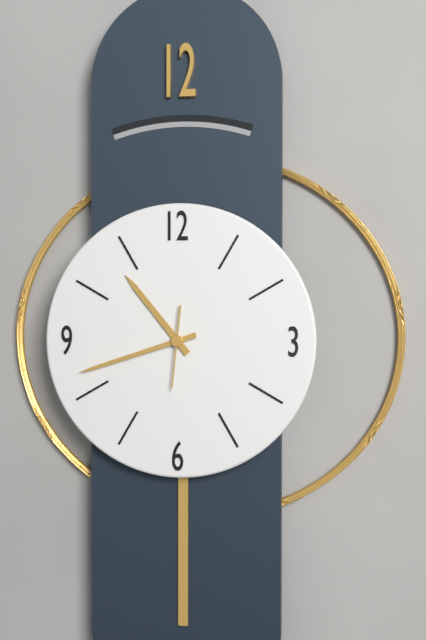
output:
10.42.31
